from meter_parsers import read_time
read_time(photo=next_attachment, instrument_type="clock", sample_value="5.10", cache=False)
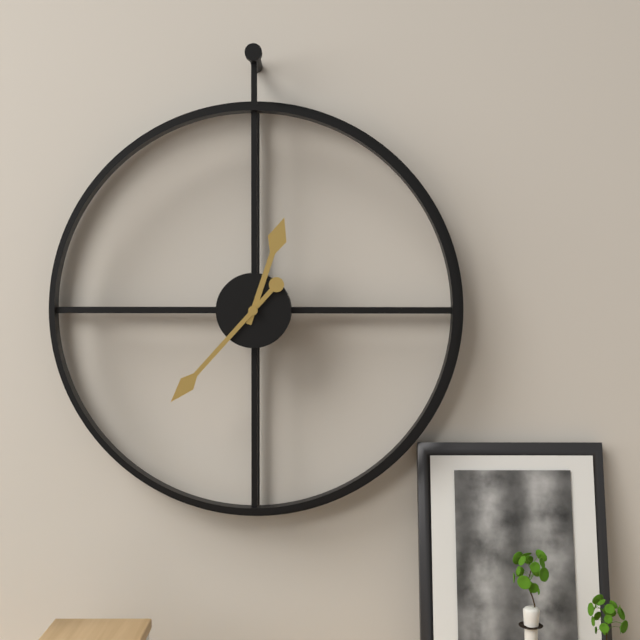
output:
12.37
